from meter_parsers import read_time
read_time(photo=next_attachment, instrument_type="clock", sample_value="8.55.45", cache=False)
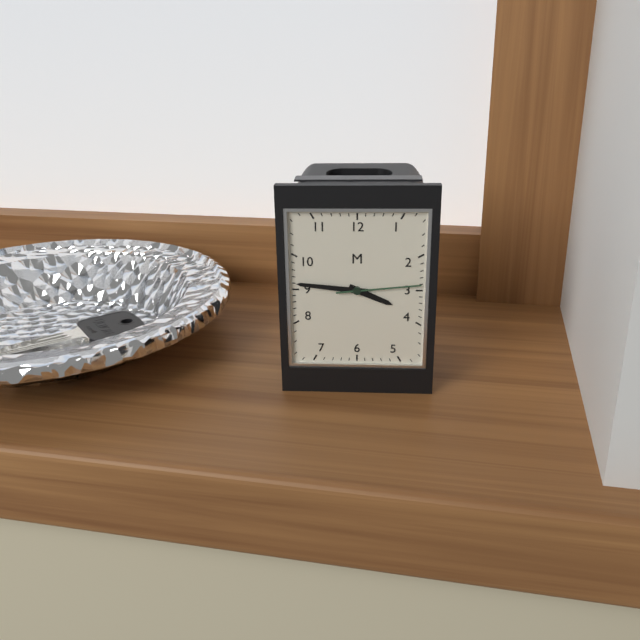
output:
3.46.14
